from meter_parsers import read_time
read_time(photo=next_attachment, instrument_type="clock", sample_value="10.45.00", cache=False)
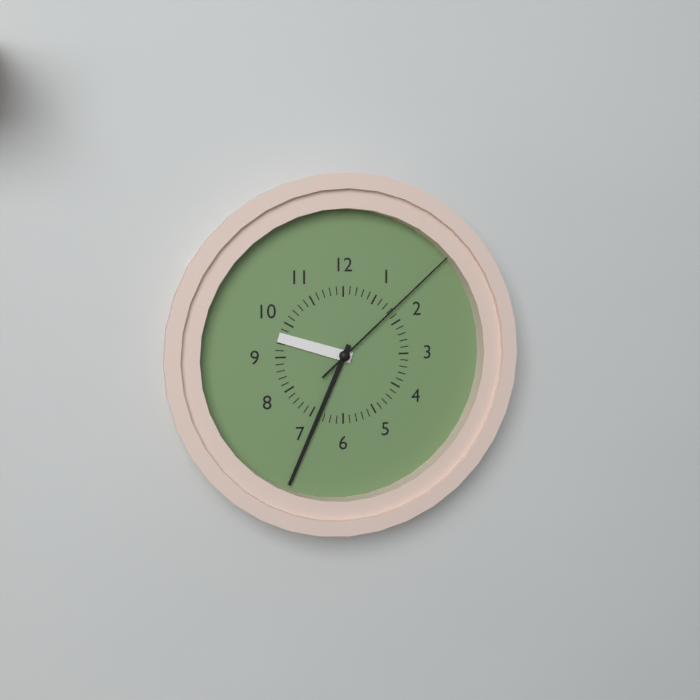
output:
9.34.08
